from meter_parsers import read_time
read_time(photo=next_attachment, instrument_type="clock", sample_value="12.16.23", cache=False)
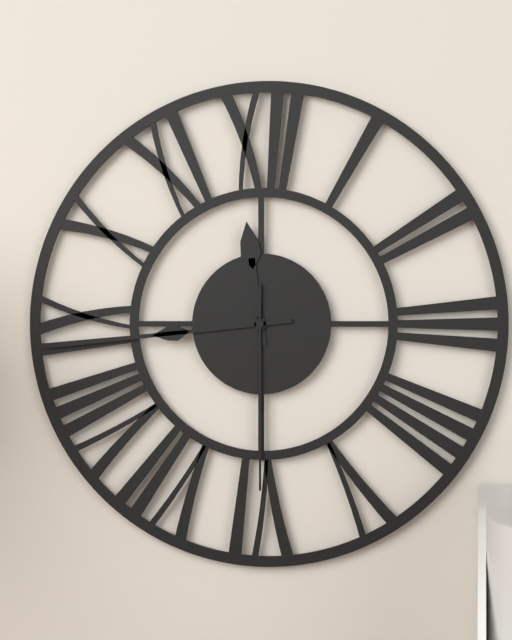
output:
11.44.30
